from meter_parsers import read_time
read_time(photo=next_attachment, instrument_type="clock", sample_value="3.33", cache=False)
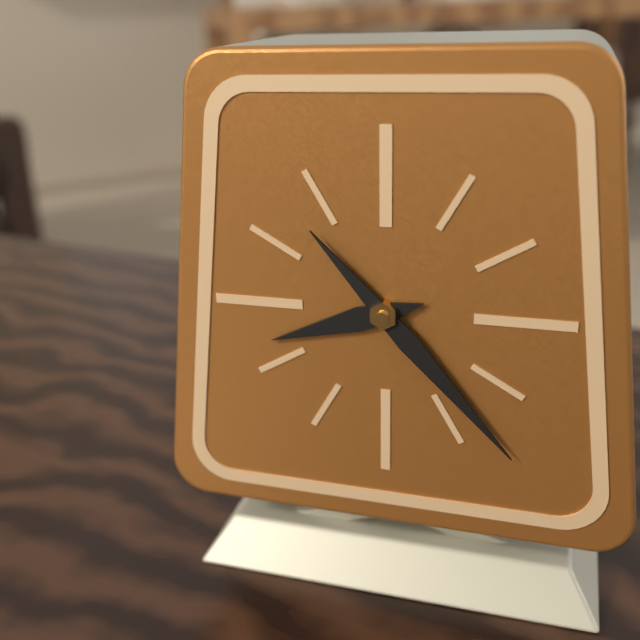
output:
8.23
